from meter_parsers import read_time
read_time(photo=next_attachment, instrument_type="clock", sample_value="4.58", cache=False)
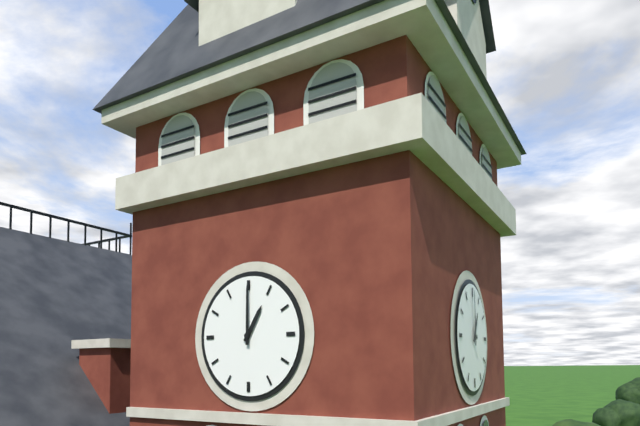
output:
1.00
